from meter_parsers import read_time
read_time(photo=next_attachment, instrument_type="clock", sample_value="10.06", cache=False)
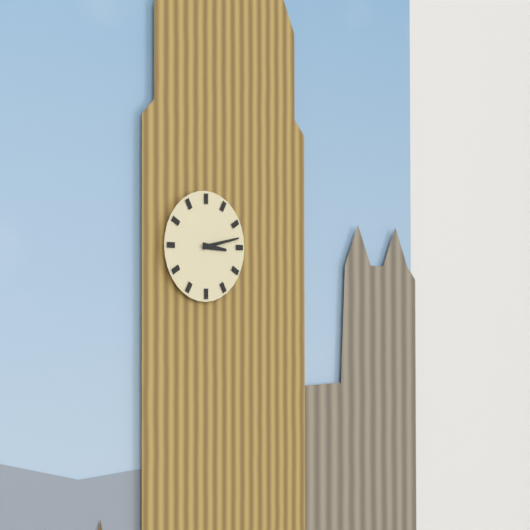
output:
3.13
